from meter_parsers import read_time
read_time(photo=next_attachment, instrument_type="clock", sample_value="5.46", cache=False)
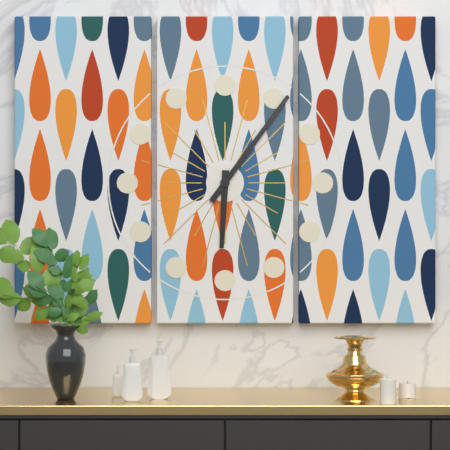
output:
6.06
